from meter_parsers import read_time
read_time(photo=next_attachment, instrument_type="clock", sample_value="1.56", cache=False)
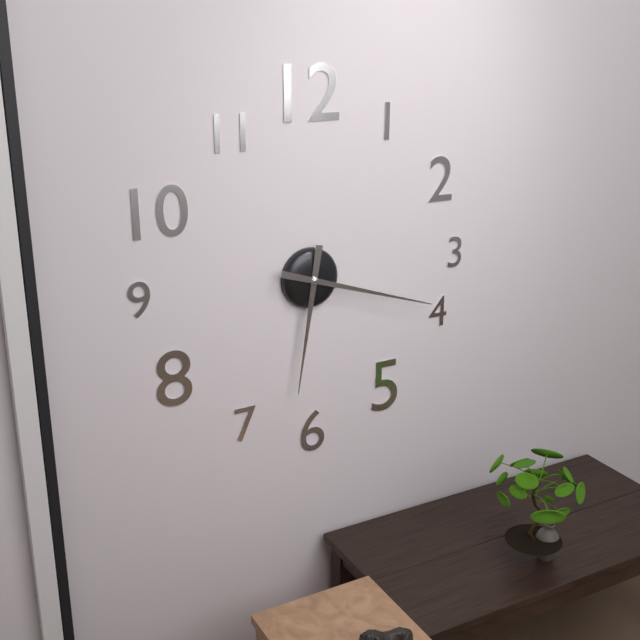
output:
6.18
